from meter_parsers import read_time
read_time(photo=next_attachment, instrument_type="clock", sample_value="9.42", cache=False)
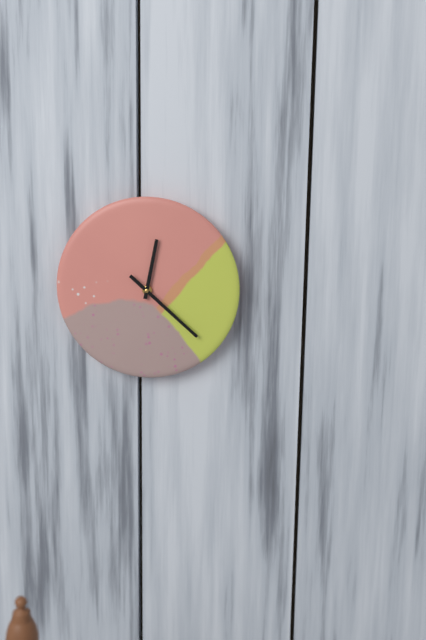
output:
12.22
